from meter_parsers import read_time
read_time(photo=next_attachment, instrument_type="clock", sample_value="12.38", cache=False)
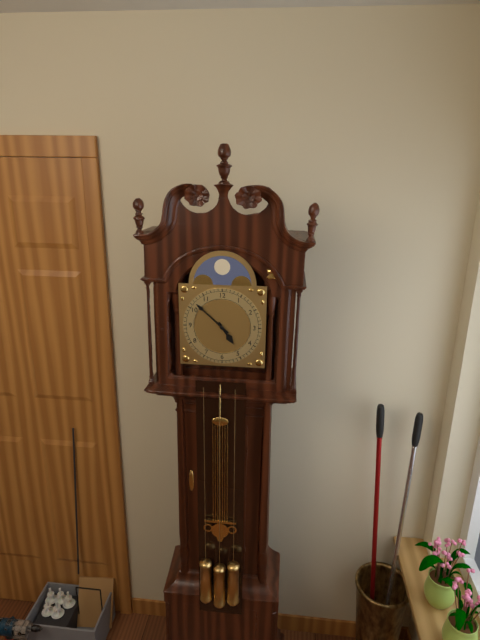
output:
4.52
